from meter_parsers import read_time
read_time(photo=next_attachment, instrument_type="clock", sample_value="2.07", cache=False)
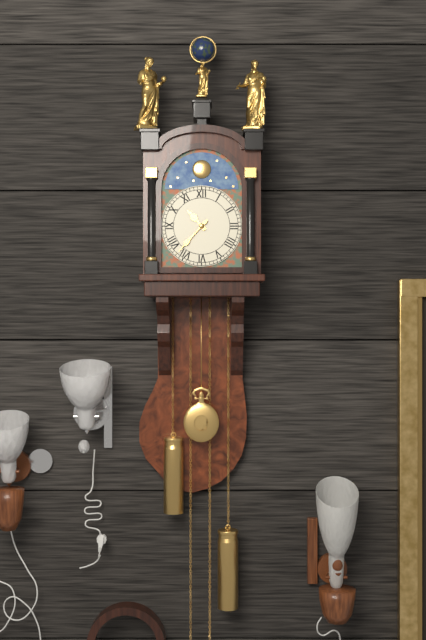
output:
10.37
